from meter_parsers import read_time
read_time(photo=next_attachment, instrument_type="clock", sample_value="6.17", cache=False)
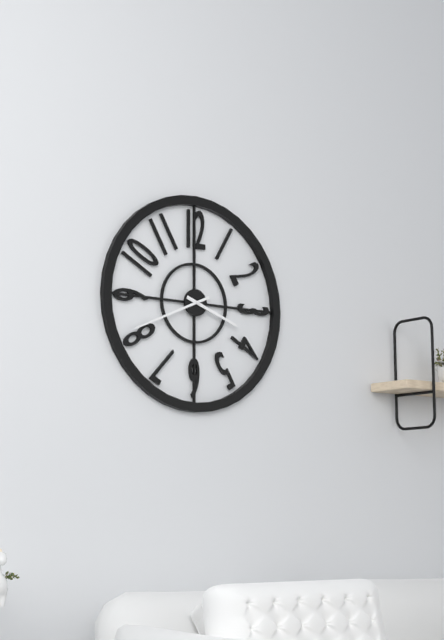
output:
3.41
